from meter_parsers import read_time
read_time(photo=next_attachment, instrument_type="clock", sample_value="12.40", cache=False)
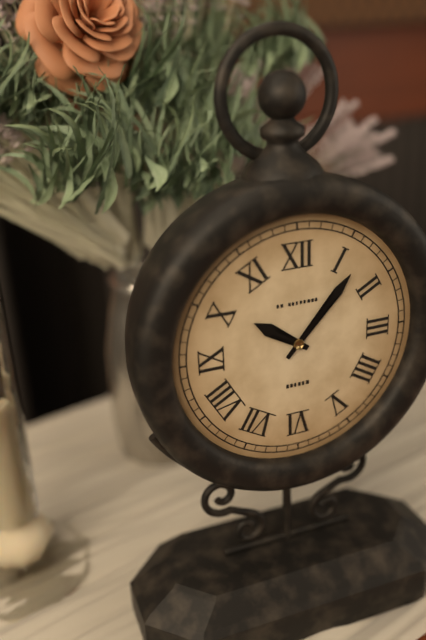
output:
10.07
